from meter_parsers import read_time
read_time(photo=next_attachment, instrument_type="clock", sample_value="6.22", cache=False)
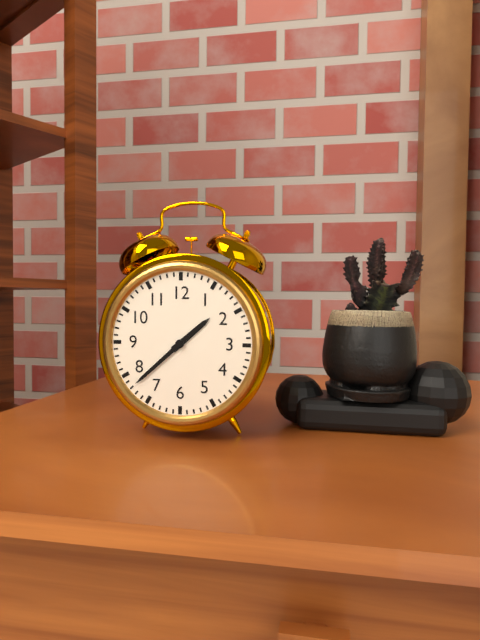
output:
1.38
